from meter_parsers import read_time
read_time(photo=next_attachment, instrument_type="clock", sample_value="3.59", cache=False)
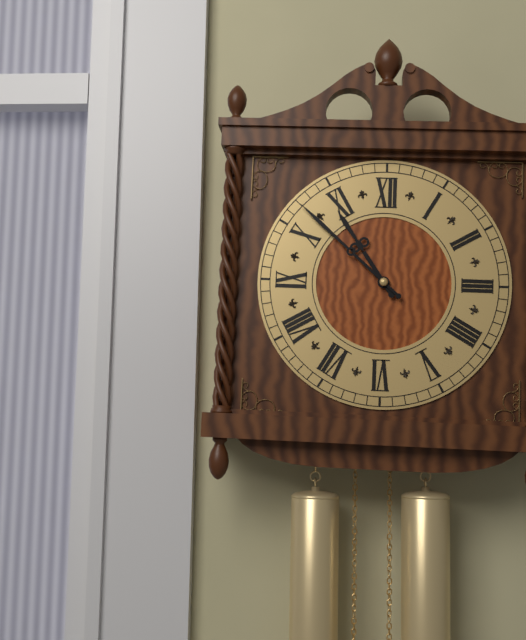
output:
10.52
